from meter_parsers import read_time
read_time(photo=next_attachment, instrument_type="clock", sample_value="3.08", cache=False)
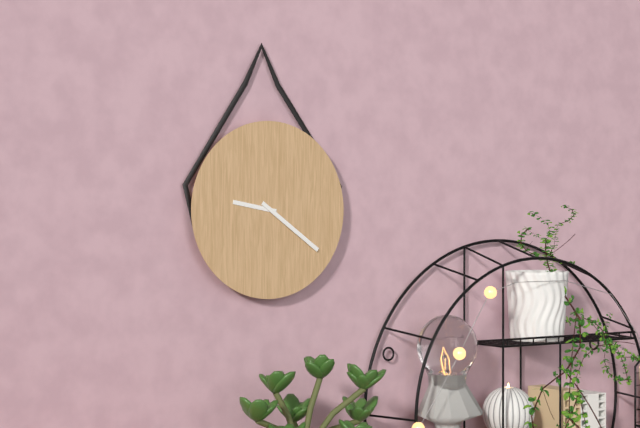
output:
9.21
